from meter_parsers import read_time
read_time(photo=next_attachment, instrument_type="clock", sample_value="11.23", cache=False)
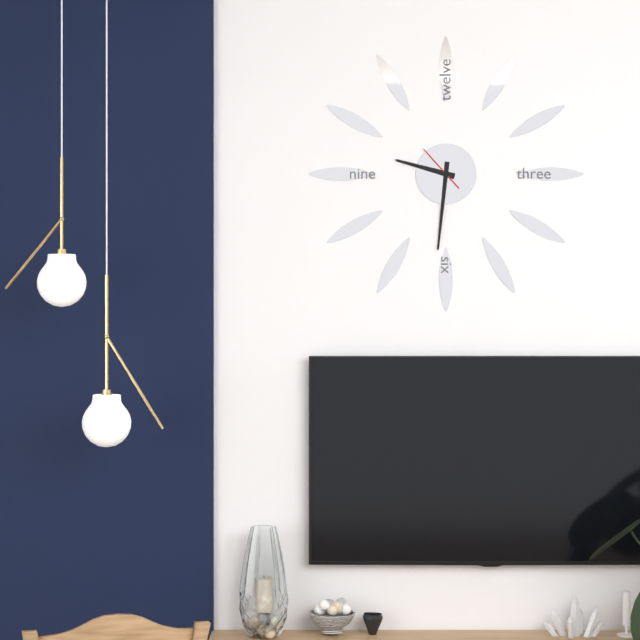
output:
9.31
